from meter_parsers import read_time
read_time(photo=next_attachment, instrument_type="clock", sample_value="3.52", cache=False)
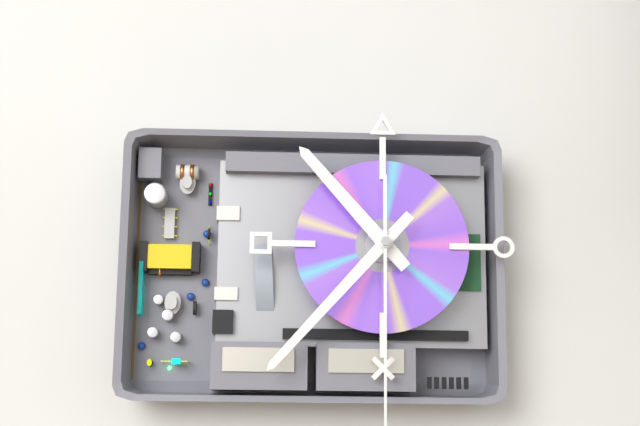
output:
10.37
